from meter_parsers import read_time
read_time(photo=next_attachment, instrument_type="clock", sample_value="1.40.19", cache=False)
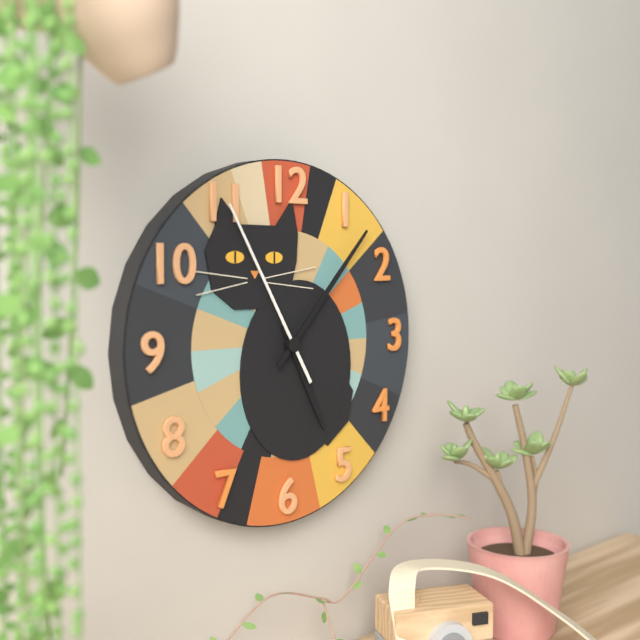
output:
5.07.55
